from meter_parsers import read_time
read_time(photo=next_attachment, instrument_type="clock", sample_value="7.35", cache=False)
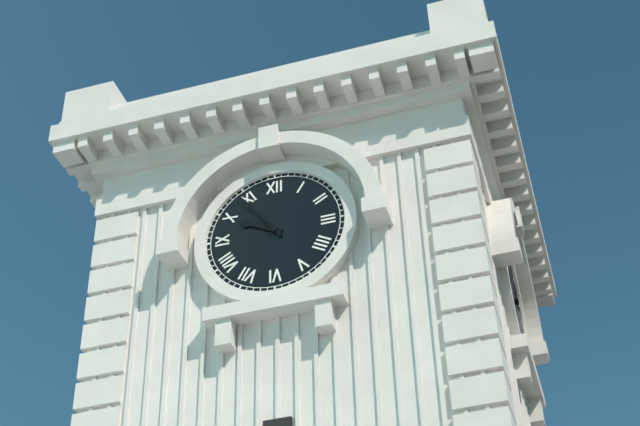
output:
9.54
